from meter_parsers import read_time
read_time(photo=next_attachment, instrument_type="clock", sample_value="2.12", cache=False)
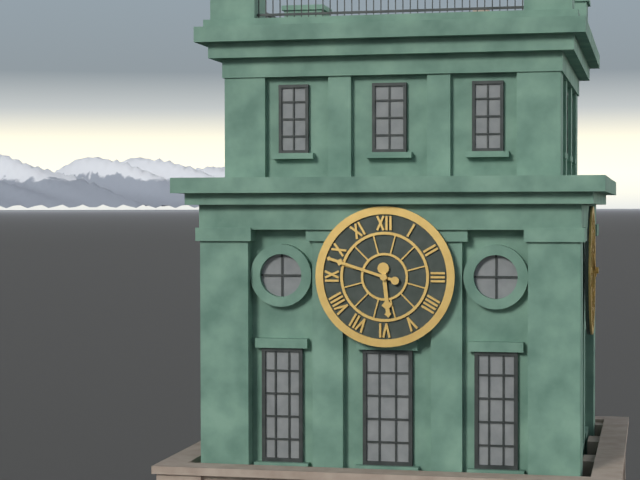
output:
5.48
